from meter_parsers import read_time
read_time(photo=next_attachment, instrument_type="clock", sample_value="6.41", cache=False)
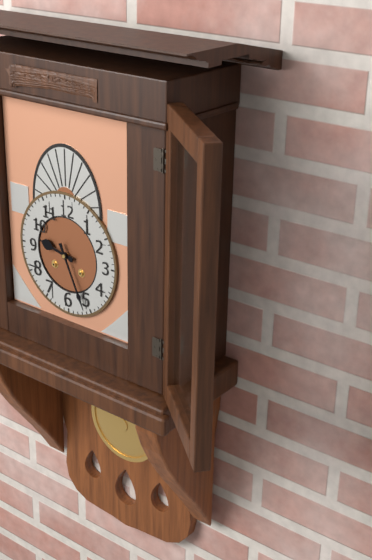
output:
9.26
